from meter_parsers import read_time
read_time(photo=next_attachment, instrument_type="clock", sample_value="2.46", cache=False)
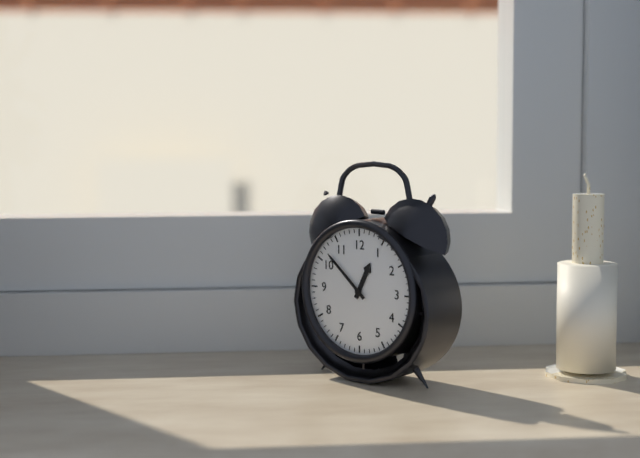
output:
12.52
